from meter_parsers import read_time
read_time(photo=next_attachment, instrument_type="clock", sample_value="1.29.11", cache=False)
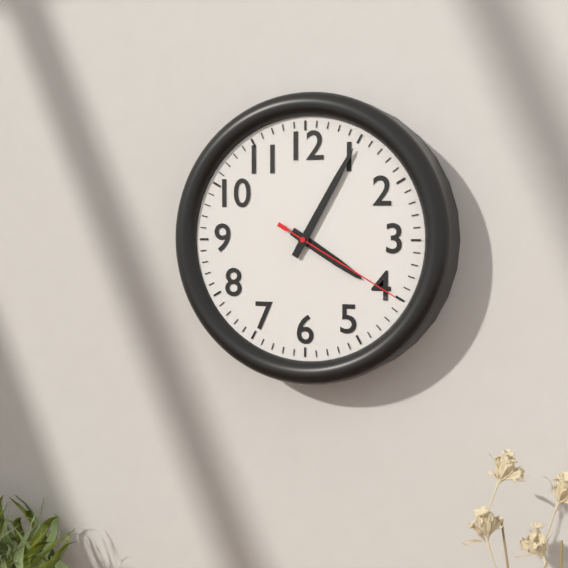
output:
4.05.20
